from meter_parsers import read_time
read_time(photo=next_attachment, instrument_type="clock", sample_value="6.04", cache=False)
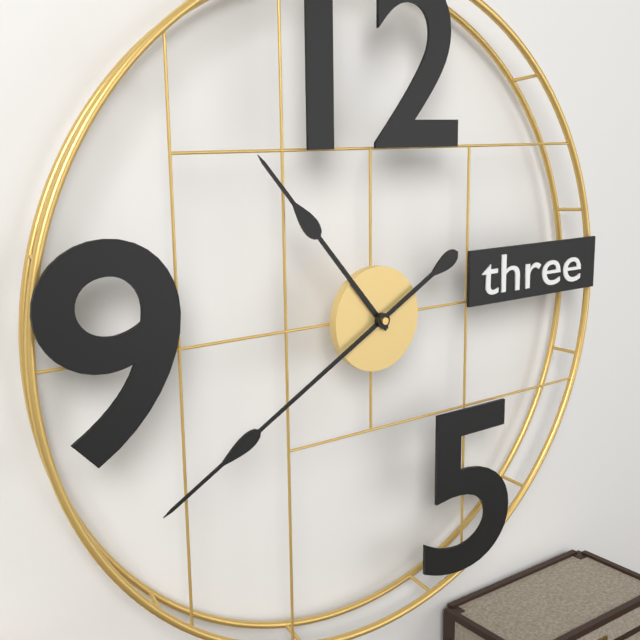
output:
10.40
